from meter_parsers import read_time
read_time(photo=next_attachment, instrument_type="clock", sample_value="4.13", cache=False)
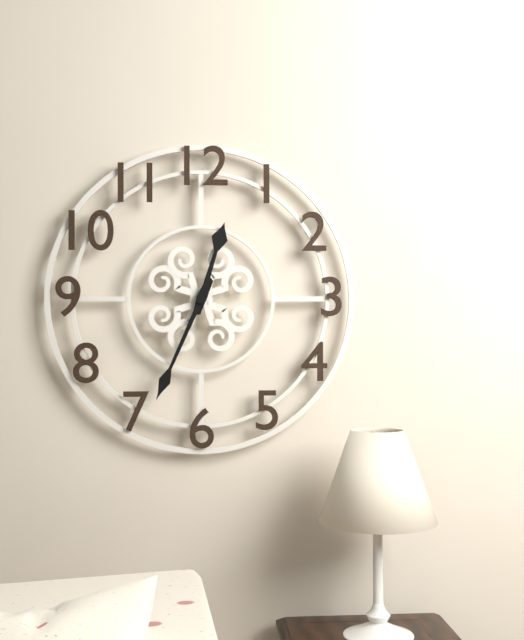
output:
12.34
